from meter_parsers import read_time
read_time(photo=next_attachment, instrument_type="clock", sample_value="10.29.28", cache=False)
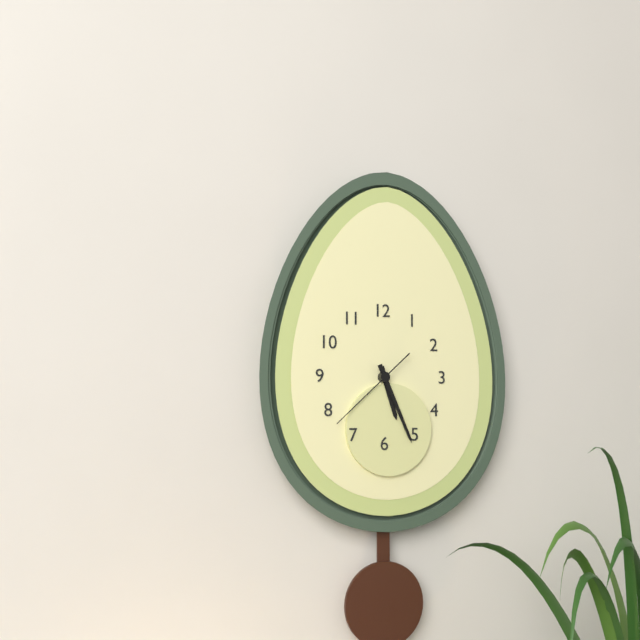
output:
5.26.38
